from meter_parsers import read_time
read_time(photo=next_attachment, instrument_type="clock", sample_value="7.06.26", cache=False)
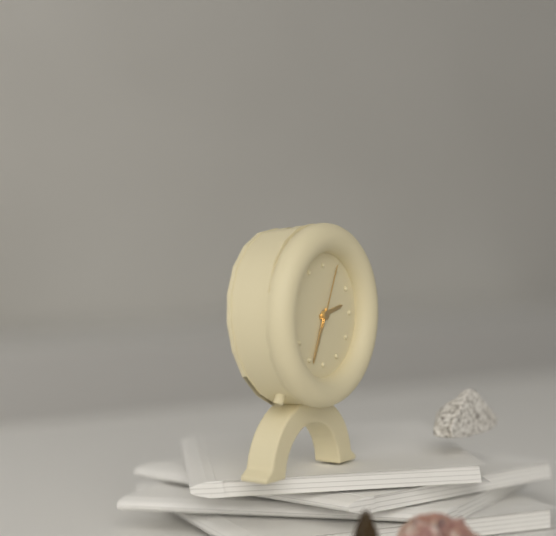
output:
2.34.04
